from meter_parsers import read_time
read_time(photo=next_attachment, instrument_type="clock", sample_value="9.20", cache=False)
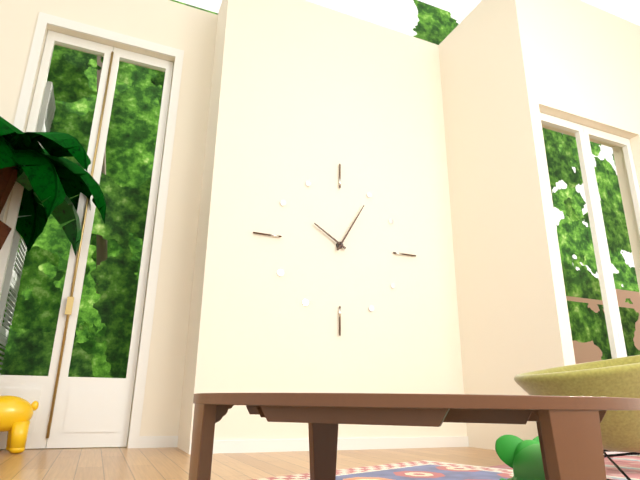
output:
10.05
